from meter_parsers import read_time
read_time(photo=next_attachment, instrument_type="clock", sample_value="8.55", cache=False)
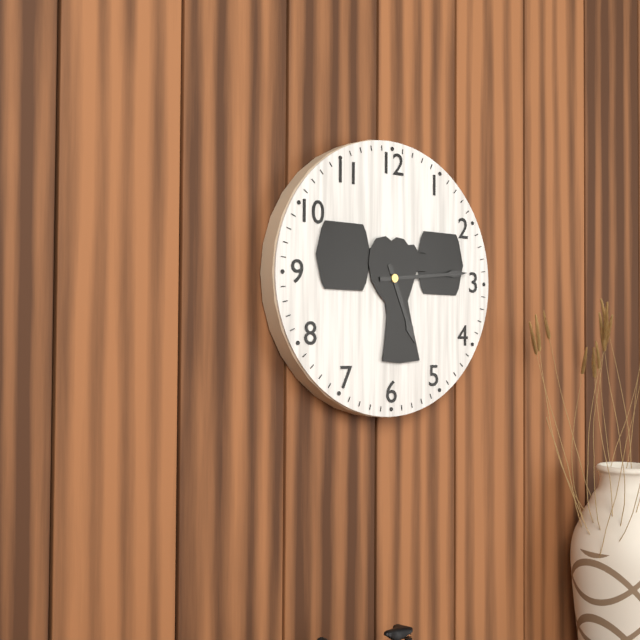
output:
5.14
